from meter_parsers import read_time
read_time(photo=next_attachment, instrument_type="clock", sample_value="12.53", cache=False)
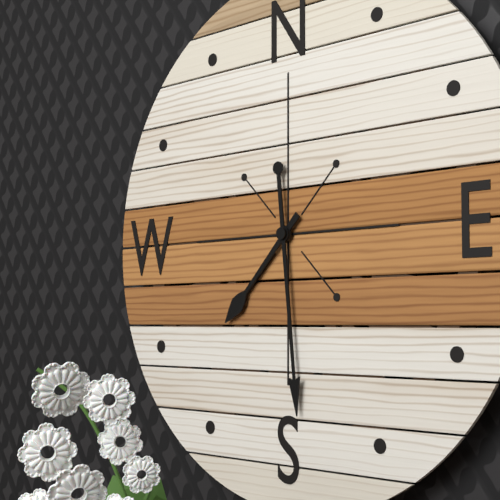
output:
7.29
